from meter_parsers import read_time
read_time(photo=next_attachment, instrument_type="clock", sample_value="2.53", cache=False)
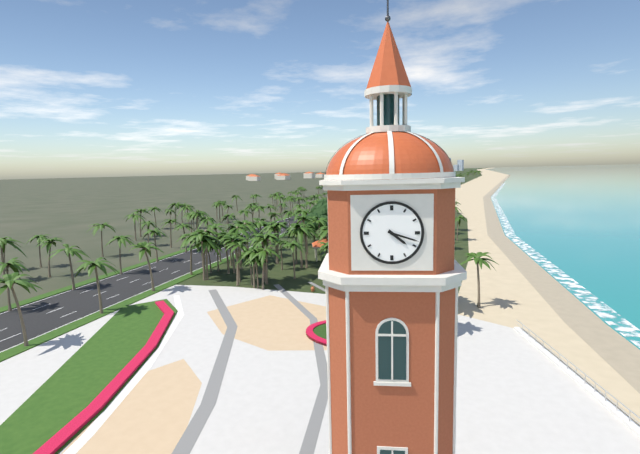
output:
4.18
